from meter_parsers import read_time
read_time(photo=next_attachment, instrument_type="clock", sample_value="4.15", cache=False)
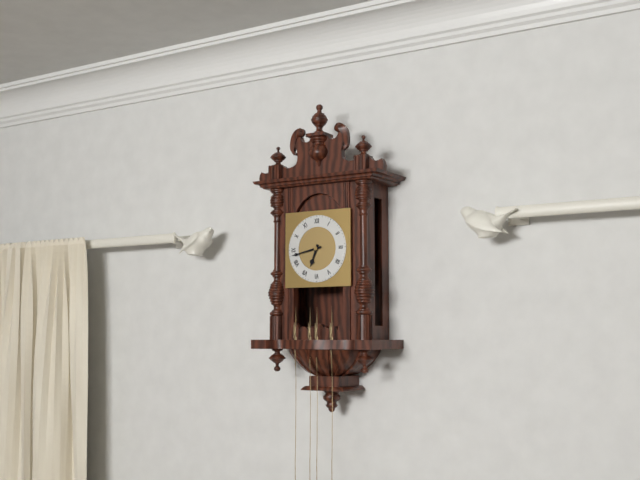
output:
6.43
